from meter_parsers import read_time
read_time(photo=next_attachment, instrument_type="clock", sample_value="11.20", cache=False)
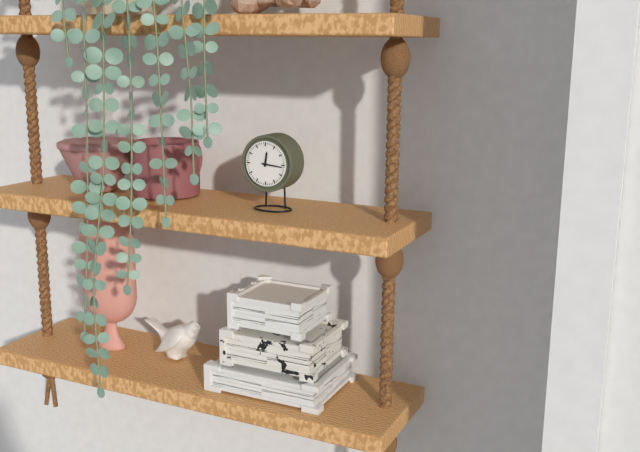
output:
12.16
